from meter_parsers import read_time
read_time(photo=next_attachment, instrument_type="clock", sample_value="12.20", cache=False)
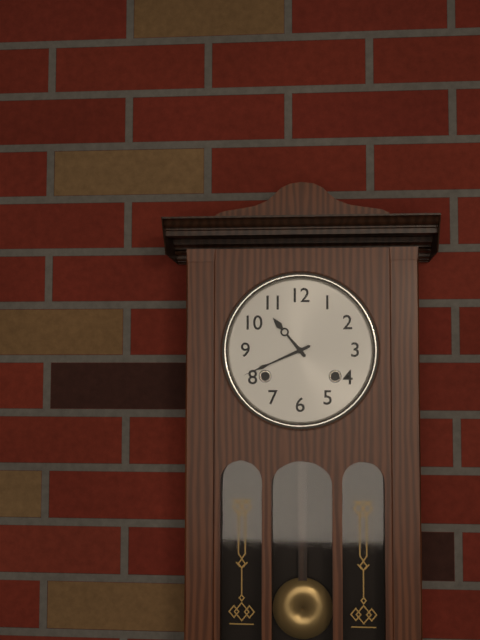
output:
10.41
